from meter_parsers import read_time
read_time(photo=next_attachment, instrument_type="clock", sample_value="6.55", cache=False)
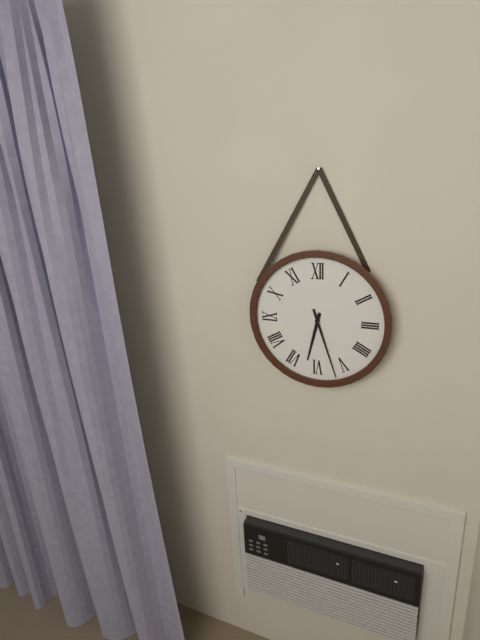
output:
6.27
